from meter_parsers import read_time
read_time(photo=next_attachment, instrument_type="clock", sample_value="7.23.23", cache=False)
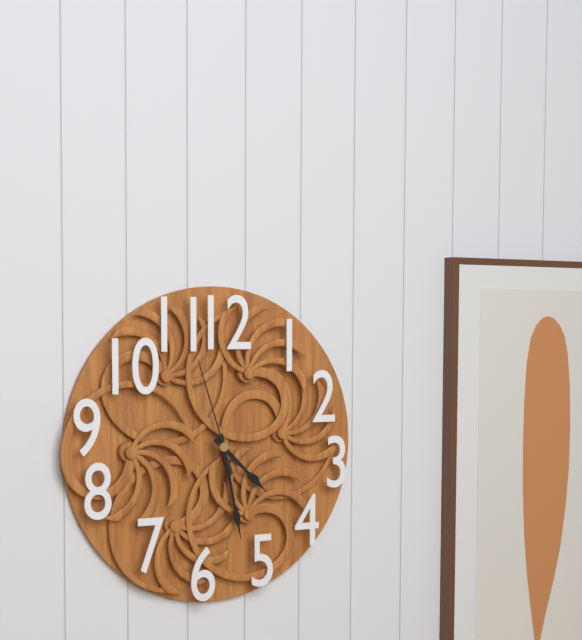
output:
4.28.57
